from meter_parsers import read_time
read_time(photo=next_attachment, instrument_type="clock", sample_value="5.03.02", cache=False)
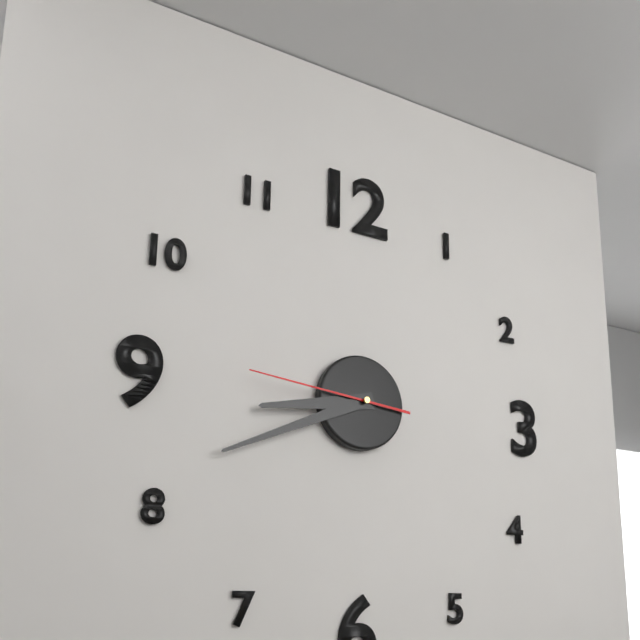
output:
8.41.46
